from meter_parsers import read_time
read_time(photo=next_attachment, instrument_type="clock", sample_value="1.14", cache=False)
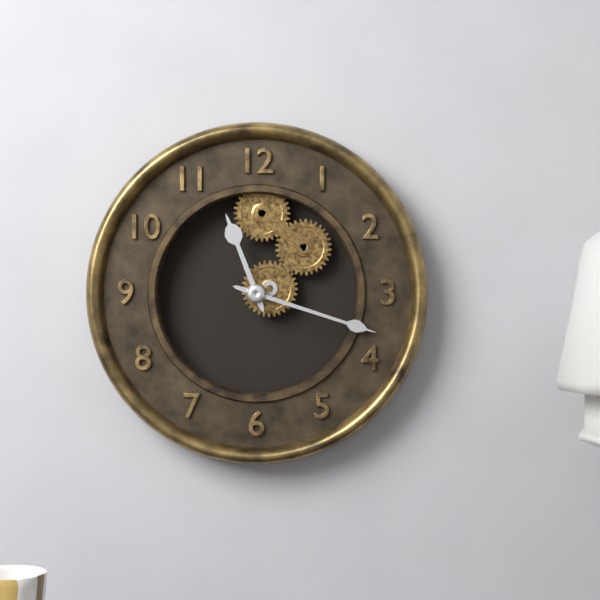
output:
11.18
